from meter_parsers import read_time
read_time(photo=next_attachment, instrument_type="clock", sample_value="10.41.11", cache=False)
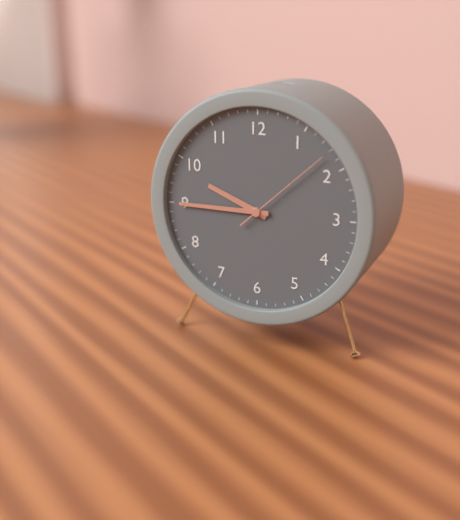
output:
9.45.08
